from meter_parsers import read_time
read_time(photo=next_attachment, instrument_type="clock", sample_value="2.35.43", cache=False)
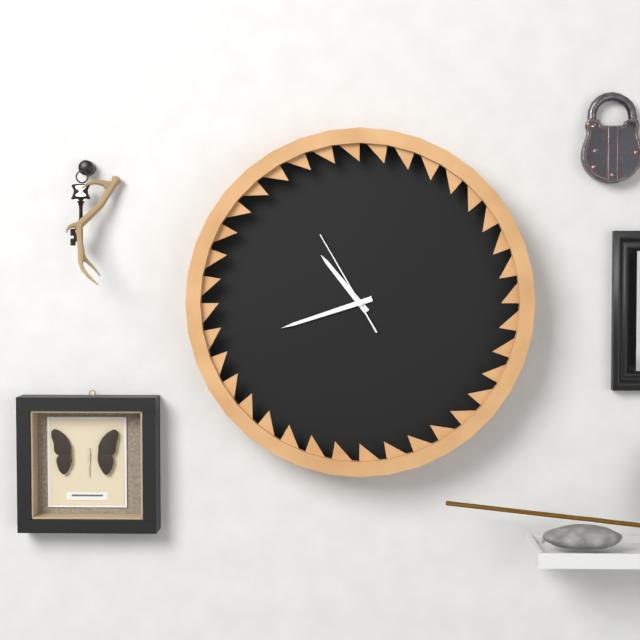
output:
10.42.55
